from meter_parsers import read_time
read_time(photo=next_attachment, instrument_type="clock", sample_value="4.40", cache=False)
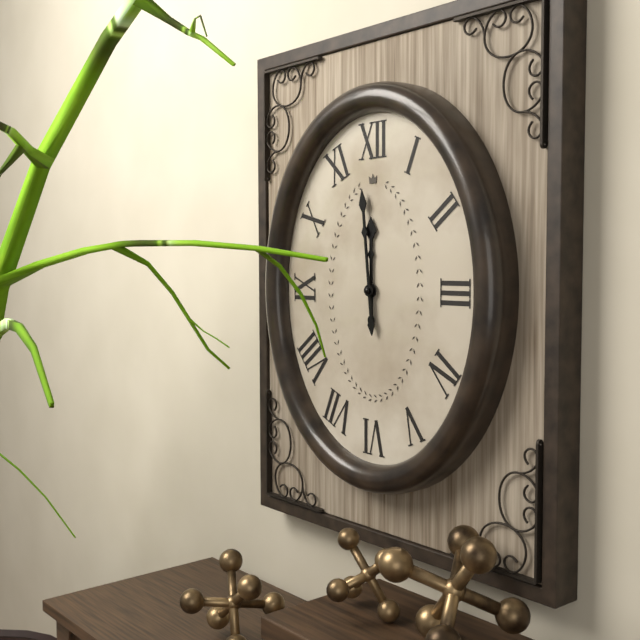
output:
11.59
